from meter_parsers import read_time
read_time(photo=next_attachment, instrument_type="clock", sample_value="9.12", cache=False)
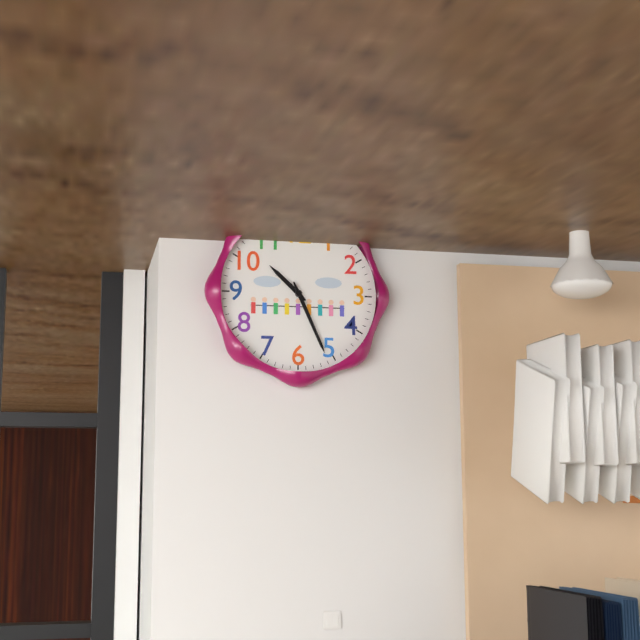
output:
10.26
